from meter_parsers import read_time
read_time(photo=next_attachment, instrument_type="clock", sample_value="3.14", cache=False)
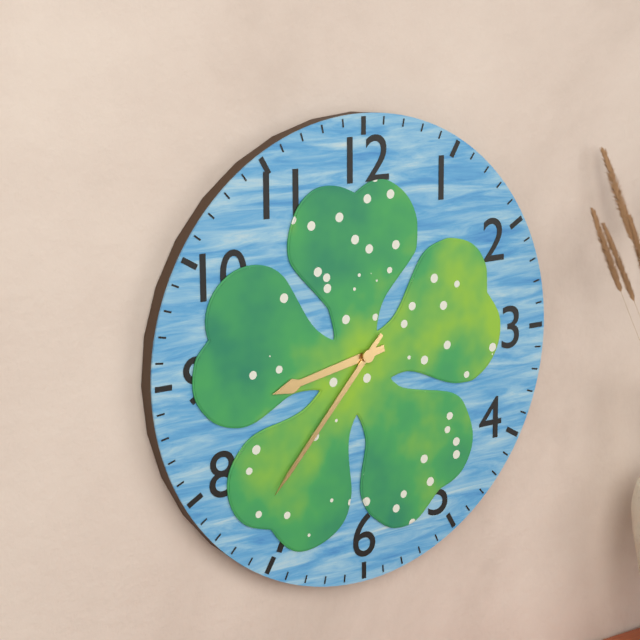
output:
8.37
